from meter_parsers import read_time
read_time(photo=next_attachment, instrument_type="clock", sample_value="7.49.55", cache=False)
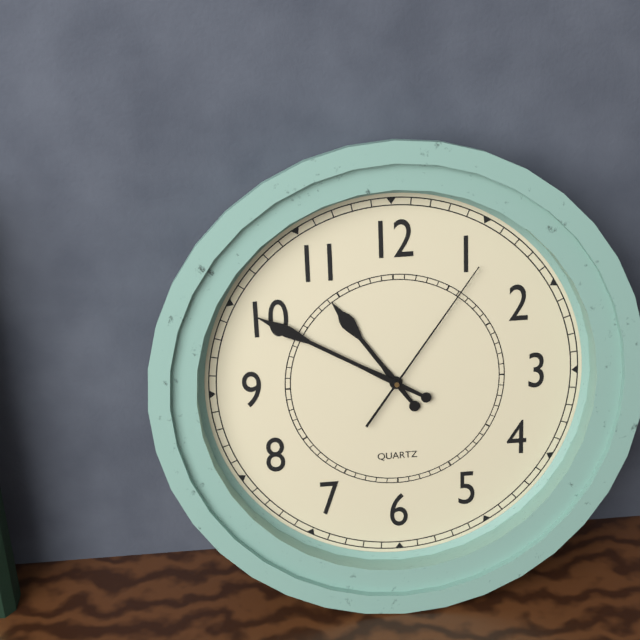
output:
10.50.06
